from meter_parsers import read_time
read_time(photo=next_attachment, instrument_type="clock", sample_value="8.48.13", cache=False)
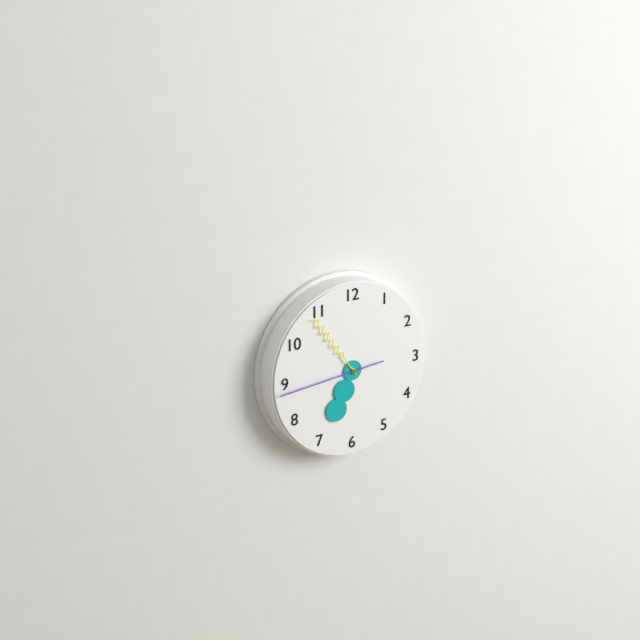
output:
6.54.44
